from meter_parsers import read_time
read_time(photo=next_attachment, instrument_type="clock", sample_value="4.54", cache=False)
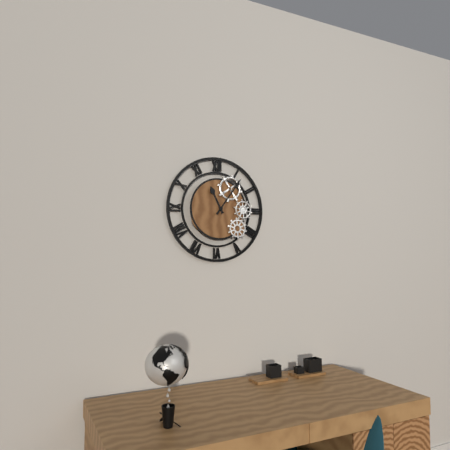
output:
11.06
